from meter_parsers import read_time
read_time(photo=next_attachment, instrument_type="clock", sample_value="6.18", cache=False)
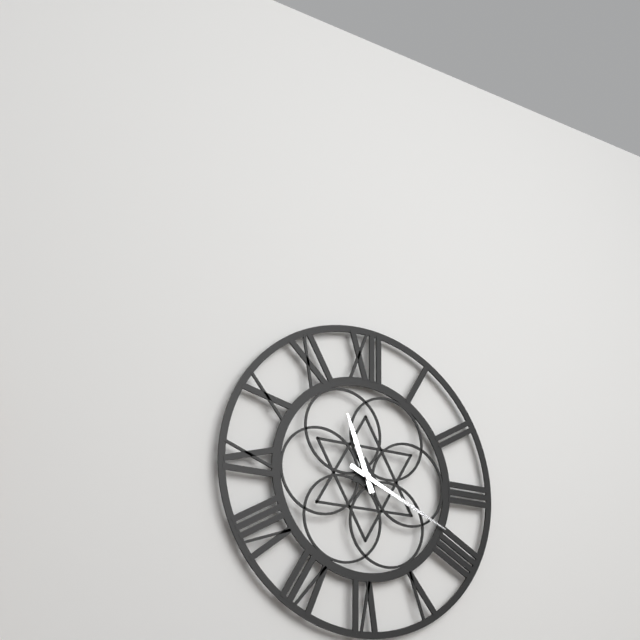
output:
11.19
